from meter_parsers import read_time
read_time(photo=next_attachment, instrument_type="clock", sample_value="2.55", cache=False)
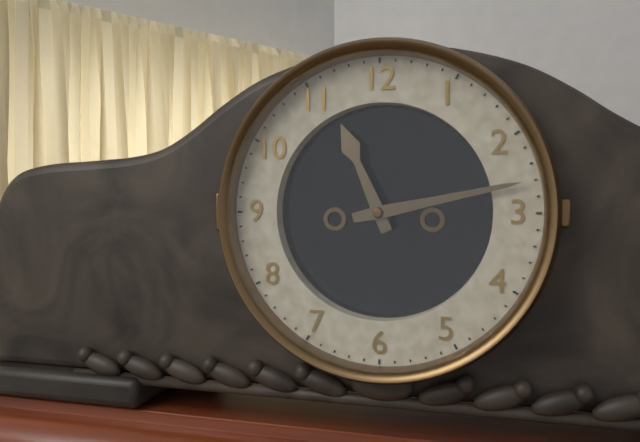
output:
11.13
